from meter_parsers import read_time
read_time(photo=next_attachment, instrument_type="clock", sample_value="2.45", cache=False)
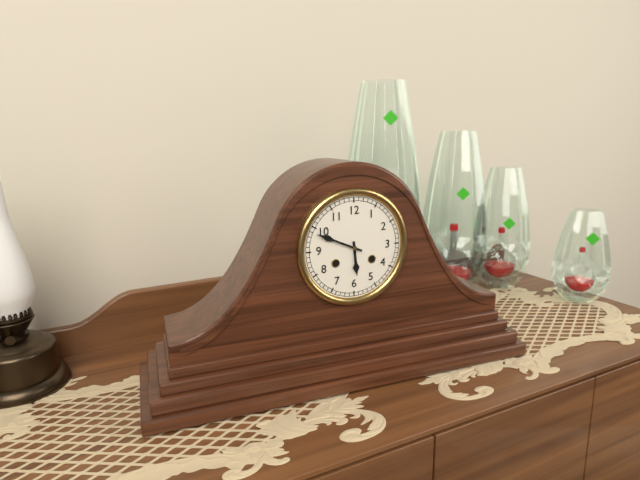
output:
5.49
